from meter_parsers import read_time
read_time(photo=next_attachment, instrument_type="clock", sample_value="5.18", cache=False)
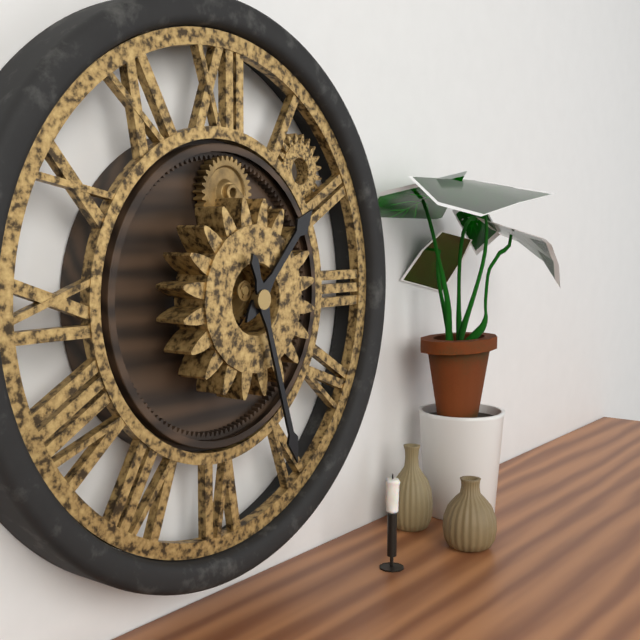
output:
1.27
